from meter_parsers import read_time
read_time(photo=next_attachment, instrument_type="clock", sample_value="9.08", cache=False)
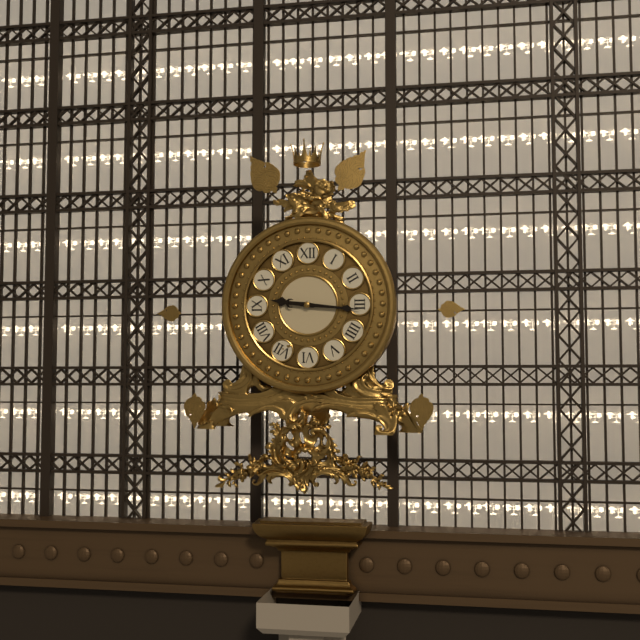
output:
9.16
